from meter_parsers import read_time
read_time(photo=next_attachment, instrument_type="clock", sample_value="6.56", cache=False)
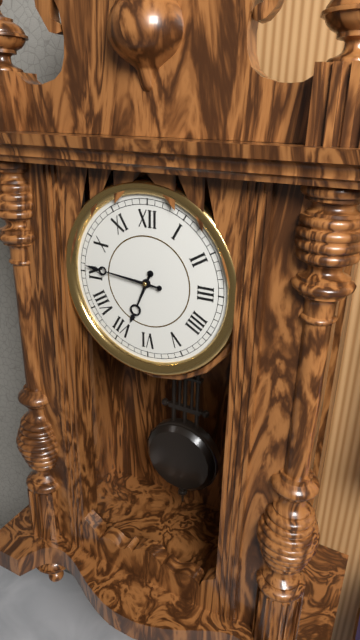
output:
6.46
